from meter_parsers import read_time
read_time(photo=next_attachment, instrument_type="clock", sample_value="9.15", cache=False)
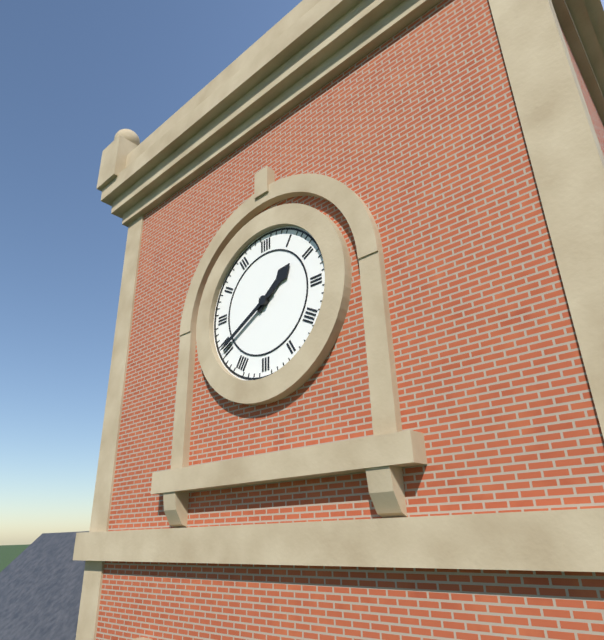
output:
1.40
